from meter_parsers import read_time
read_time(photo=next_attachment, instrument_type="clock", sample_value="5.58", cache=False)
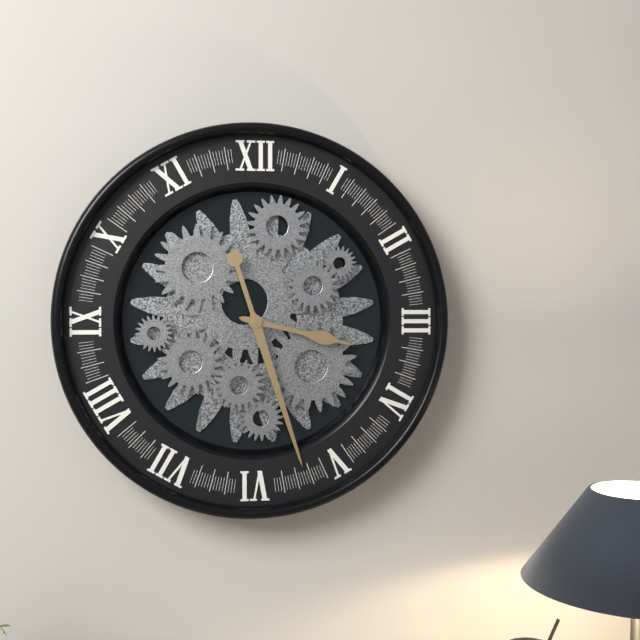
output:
3.27
